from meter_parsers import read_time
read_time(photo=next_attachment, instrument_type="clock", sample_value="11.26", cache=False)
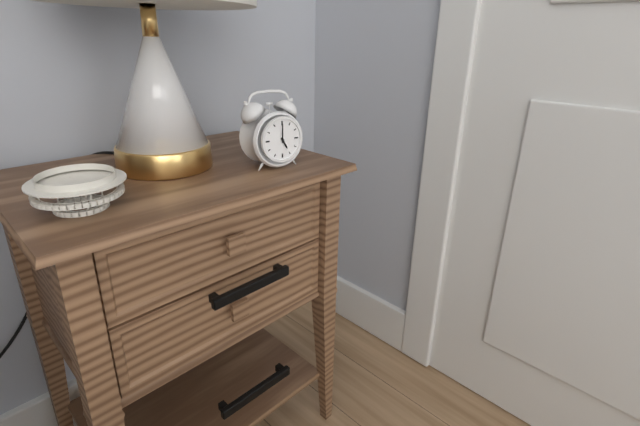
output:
5.00
